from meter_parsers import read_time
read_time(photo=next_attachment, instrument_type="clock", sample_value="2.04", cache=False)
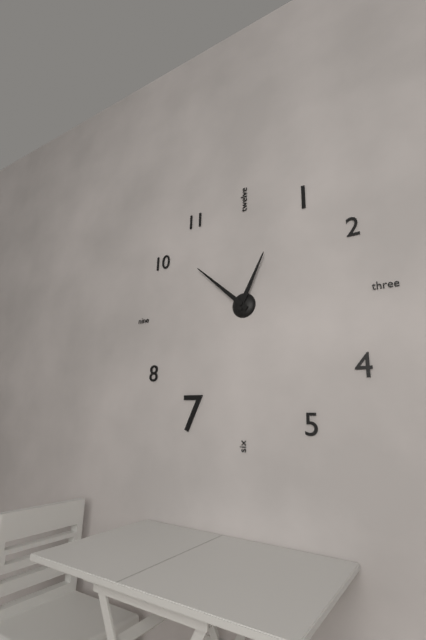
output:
12.52
